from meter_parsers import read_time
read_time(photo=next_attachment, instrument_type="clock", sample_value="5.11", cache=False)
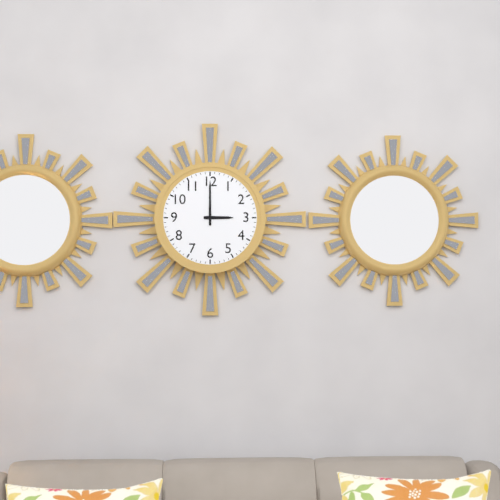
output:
3.00
